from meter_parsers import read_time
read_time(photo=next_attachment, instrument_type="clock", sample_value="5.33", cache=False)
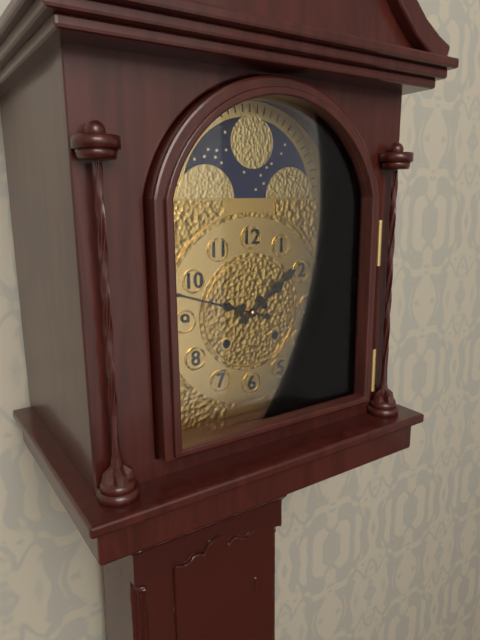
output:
1.48
